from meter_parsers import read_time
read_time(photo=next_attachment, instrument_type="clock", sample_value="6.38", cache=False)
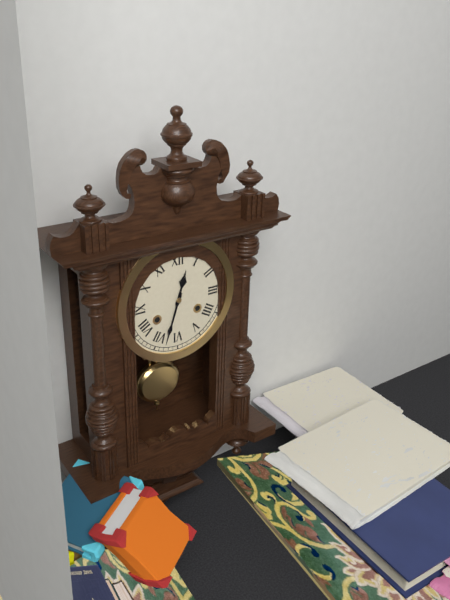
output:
12.33
